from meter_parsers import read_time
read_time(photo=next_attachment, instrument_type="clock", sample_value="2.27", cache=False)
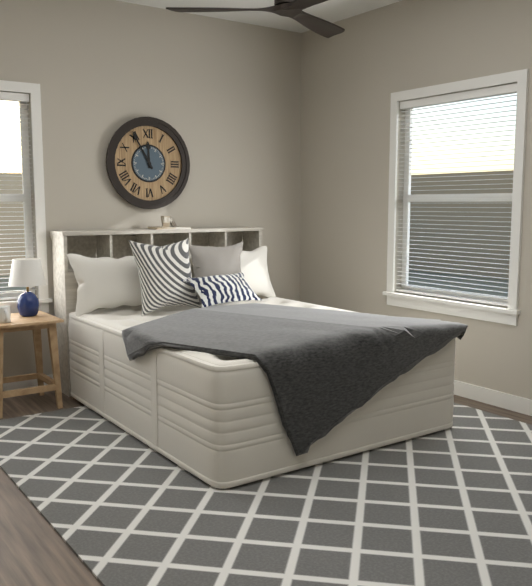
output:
11.55
